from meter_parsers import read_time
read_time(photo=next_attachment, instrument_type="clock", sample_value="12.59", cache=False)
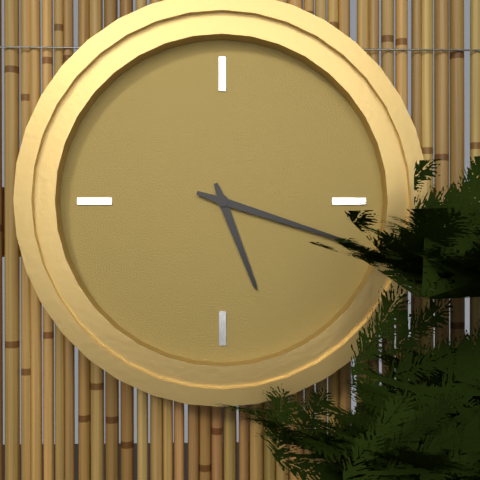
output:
5.18
